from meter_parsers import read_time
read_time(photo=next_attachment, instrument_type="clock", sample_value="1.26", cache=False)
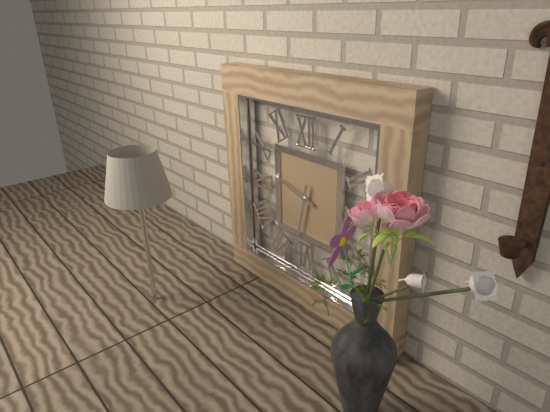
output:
9.32
